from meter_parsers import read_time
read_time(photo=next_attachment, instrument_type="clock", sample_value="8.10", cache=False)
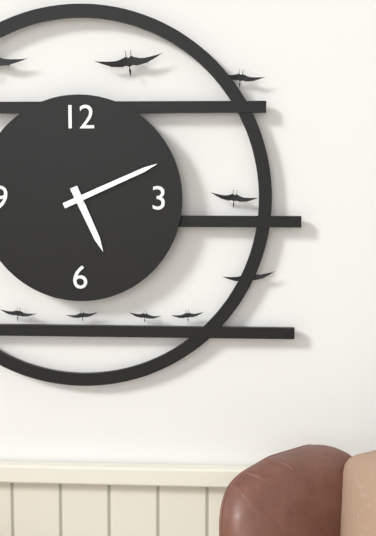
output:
5.11
